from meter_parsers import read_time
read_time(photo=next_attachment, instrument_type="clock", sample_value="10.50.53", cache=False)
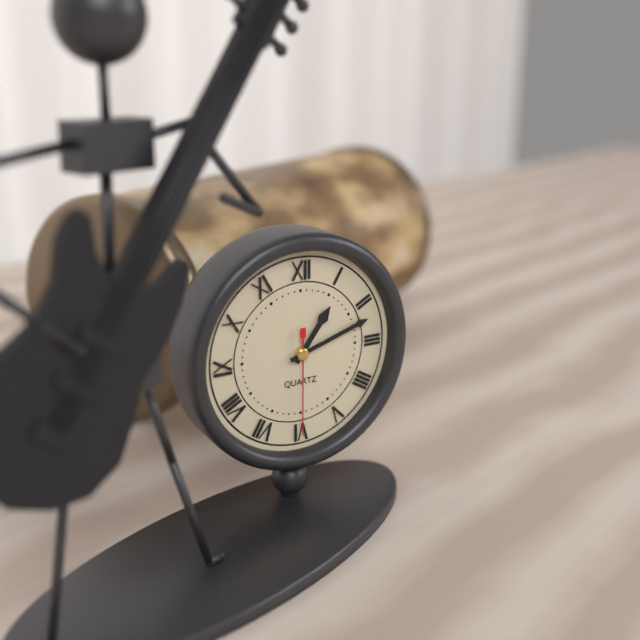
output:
1.12.30
